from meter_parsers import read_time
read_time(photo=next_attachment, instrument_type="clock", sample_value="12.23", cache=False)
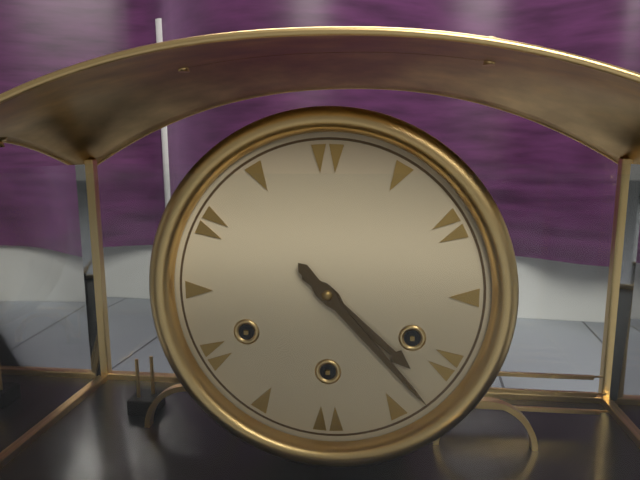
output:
4.23
